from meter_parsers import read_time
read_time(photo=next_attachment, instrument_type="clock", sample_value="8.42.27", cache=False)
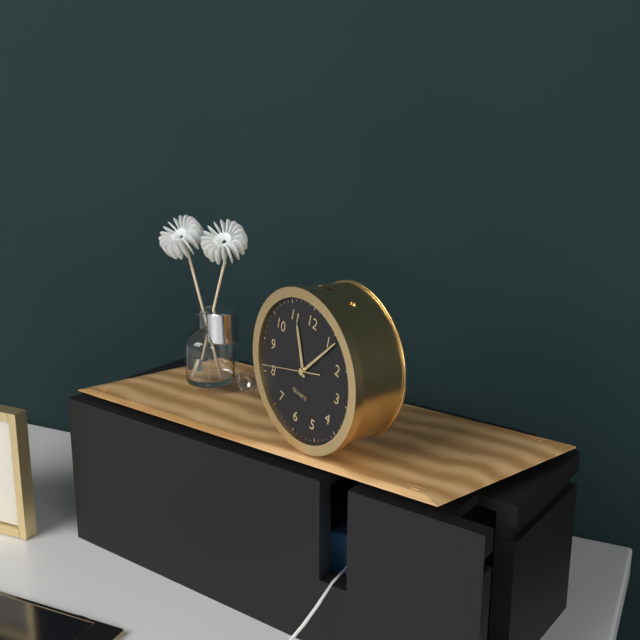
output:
11.06.41
